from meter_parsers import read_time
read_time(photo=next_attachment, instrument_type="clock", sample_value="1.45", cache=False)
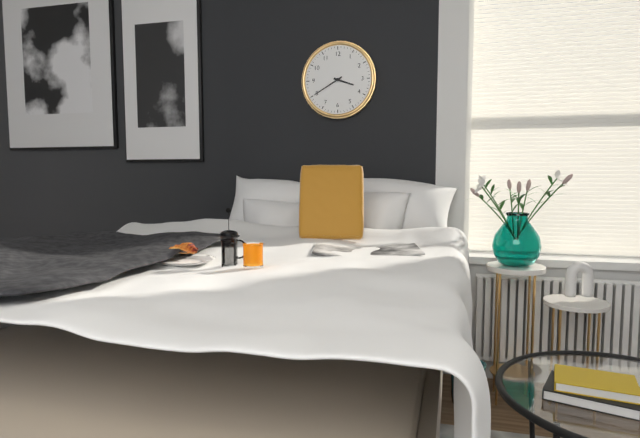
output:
3.40
